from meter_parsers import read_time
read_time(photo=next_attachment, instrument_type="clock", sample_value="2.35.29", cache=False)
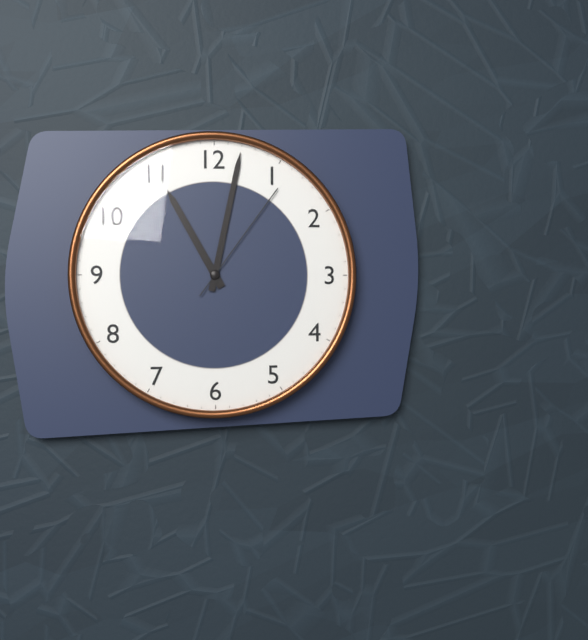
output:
11.02.06
